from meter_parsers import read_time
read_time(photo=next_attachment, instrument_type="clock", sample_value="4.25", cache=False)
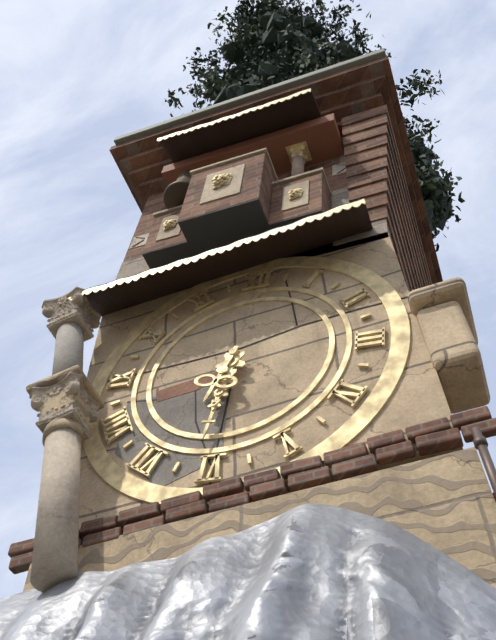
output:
6.31
